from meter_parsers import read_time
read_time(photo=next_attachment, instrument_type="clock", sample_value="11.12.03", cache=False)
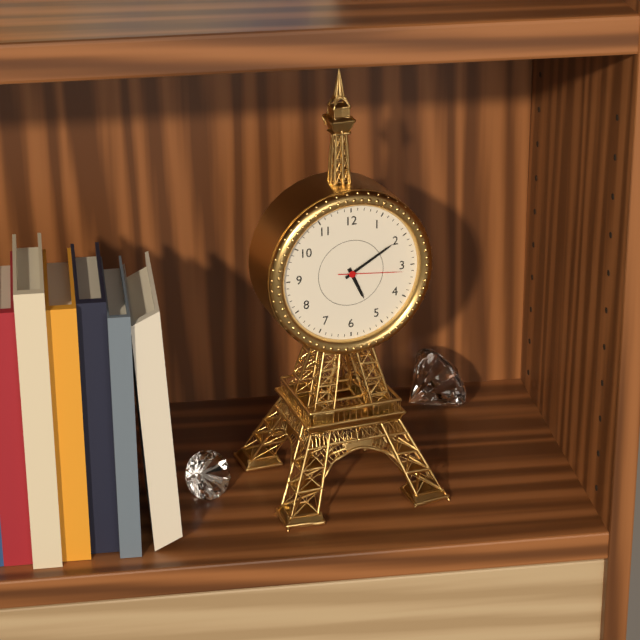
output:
5.10.16
